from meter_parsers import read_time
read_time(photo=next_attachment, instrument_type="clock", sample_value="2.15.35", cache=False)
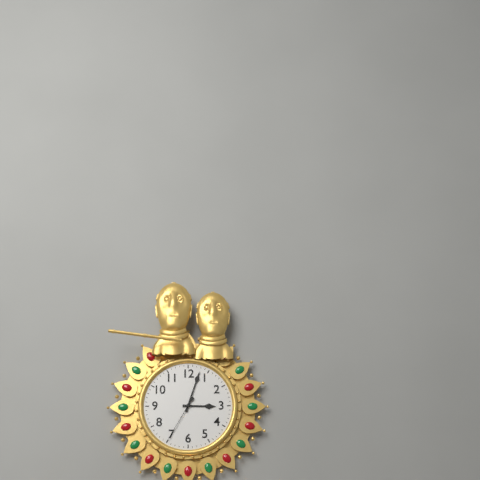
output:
3.03.35
